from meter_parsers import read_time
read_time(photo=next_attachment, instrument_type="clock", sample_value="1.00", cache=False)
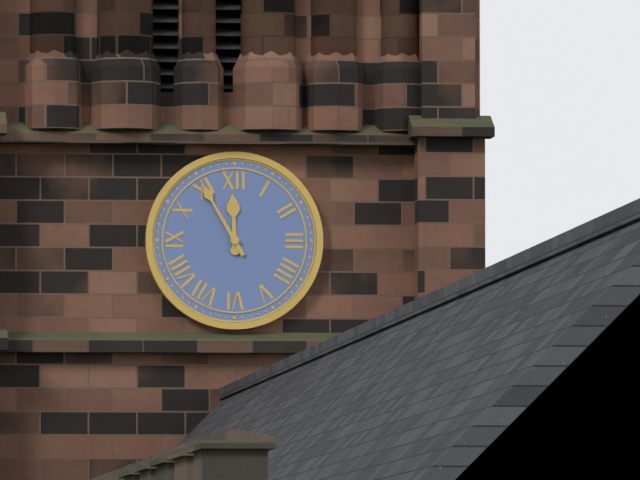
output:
11.55
